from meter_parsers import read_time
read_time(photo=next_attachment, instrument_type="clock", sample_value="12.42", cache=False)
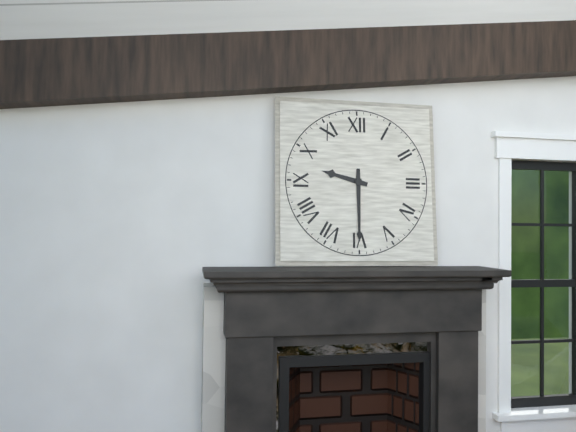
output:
9.30
